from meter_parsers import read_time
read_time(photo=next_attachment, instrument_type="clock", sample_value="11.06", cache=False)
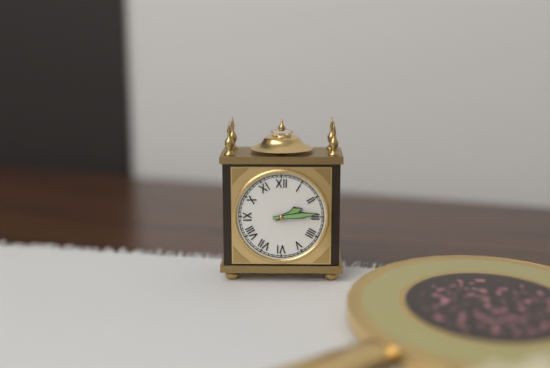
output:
2.14
